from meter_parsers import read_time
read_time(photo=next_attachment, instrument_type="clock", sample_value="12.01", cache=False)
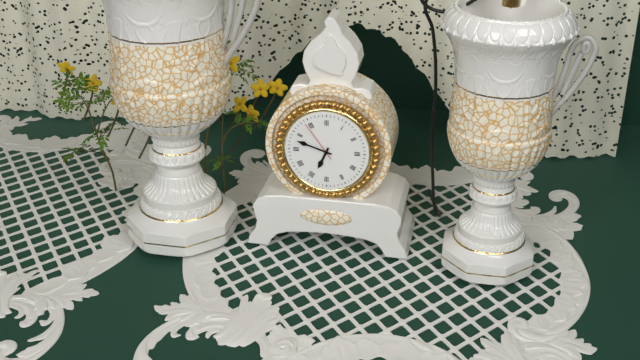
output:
6.48
